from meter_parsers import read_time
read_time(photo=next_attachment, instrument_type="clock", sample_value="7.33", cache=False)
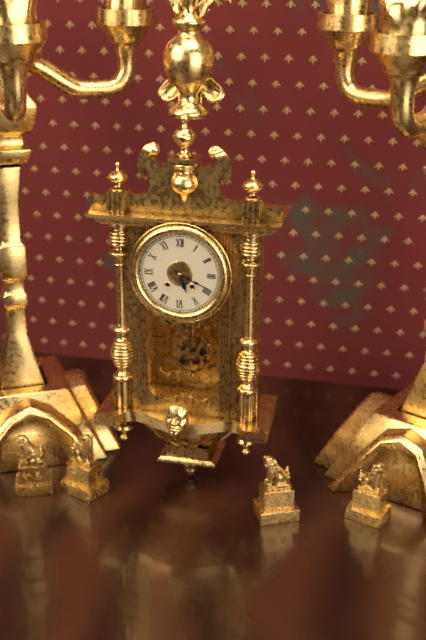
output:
5.19
